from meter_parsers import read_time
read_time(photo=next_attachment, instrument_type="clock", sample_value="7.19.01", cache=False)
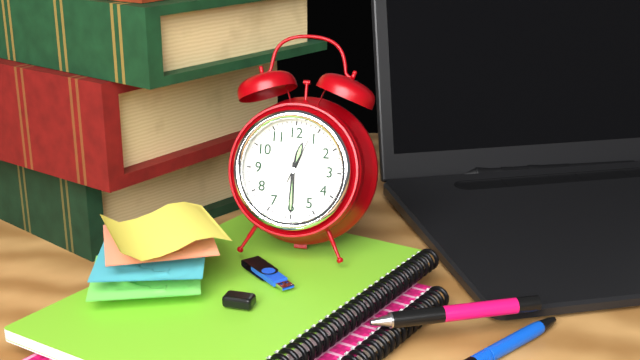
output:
12.30.04
